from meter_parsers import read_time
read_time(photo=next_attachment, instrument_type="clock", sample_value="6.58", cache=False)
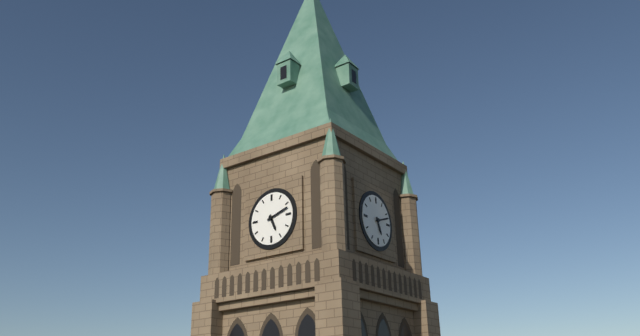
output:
5.12
